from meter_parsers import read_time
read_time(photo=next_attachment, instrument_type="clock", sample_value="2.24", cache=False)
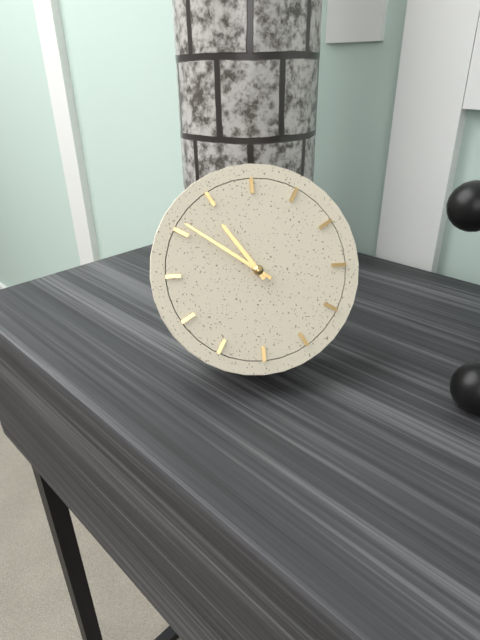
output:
10.51
